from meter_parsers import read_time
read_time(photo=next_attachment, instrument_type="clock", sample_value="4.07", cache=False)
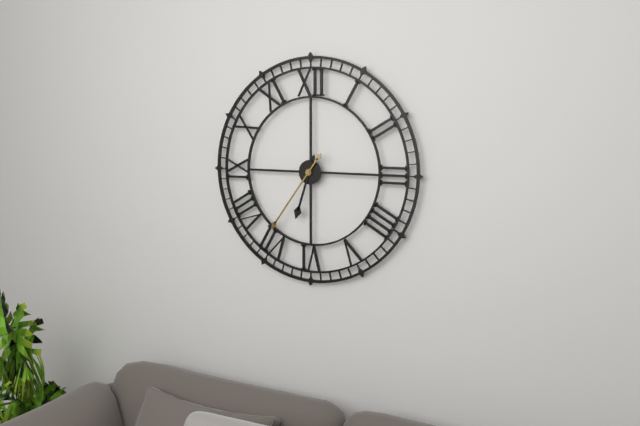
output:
6.36
